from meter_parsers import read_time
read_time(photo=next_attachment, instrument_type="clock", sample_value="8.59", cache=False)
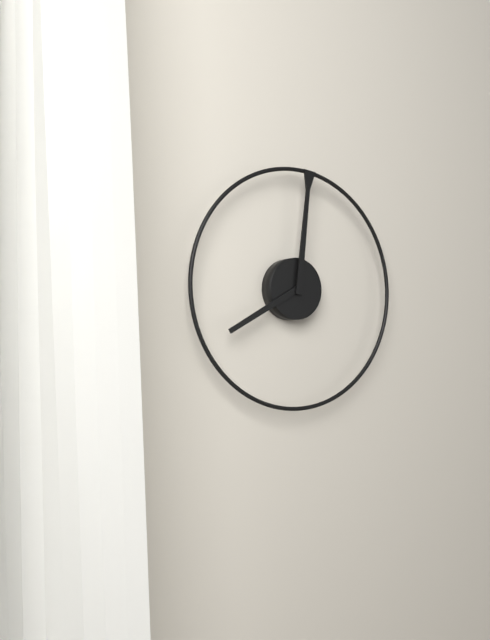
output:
8.01
